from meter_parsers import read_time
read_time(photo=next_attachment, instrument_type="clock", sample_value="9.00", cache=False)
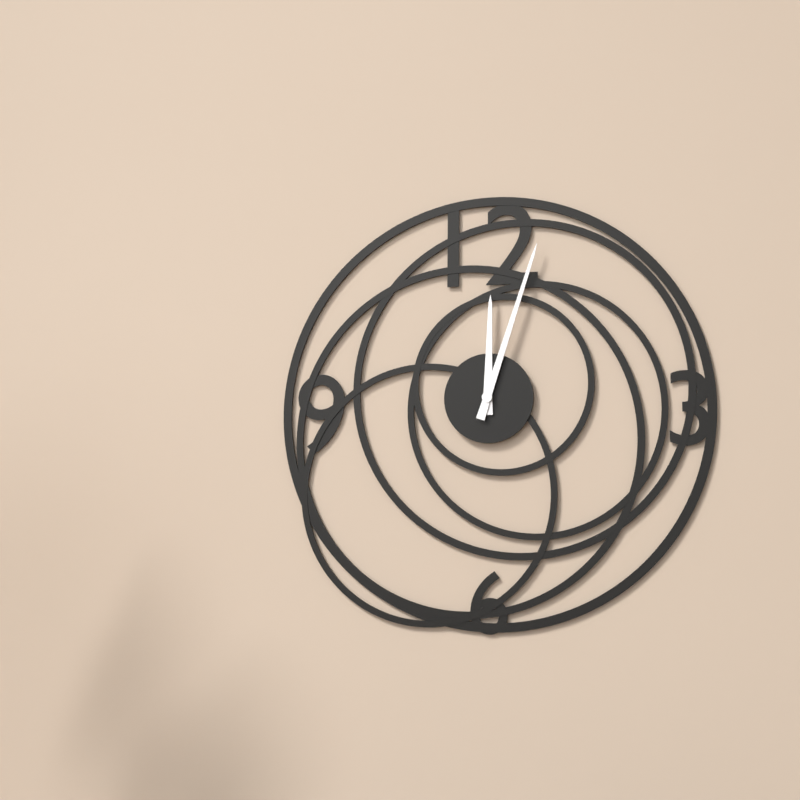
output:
12.03
